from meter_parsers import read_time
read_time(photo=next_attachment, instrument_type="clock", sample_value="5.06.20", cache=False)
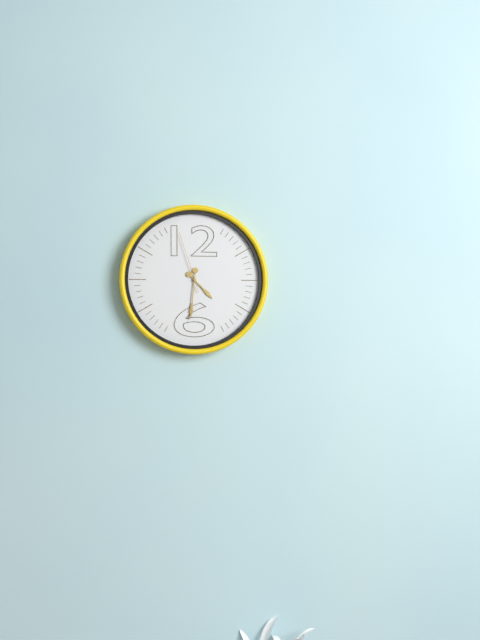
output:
4.31.57
